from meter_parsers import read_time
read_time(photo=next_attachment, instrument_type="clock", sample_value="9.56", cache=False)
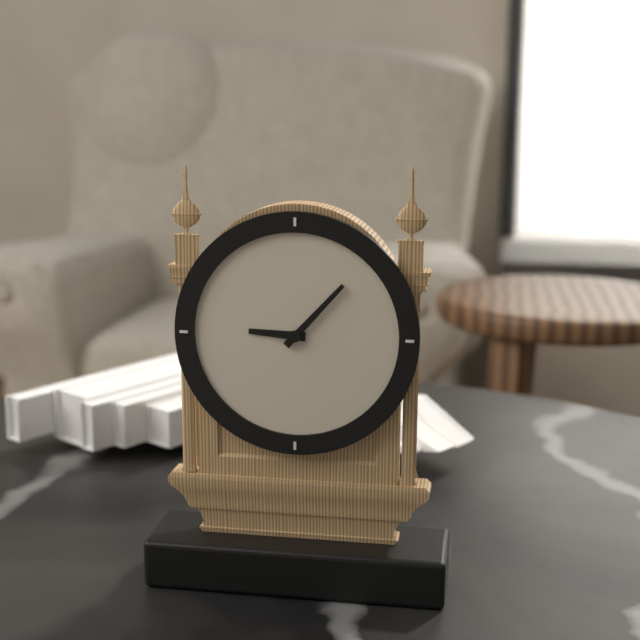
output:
9.07
